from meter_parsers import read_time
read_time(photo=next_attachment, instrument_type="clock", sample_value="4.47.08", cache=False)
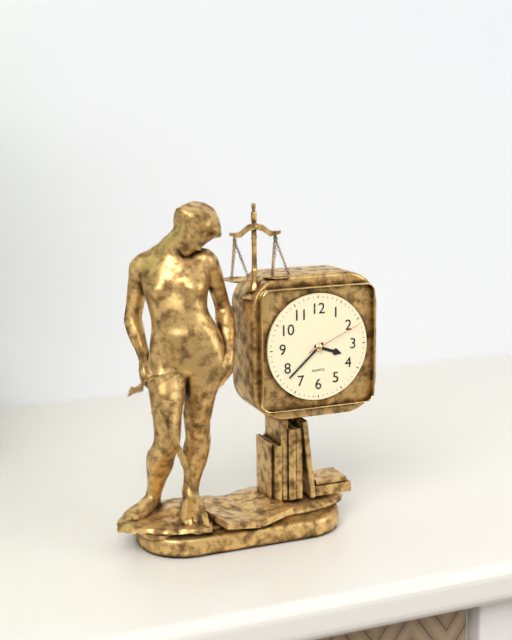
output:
3.38.11
